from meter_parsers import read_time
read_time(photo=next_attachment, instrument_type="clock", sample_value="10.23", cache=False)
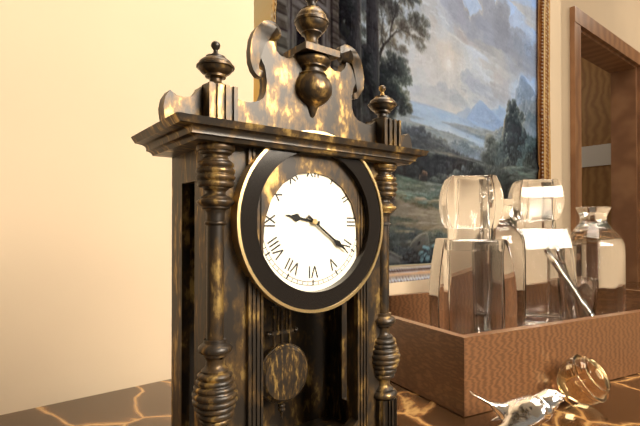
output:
9.21
